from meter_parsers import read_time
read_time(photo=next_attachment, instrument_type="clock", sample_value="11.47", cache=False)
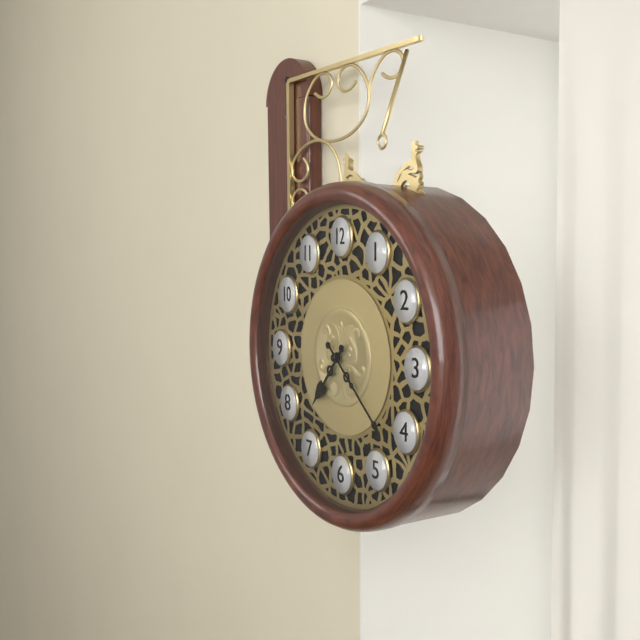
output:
7.22
